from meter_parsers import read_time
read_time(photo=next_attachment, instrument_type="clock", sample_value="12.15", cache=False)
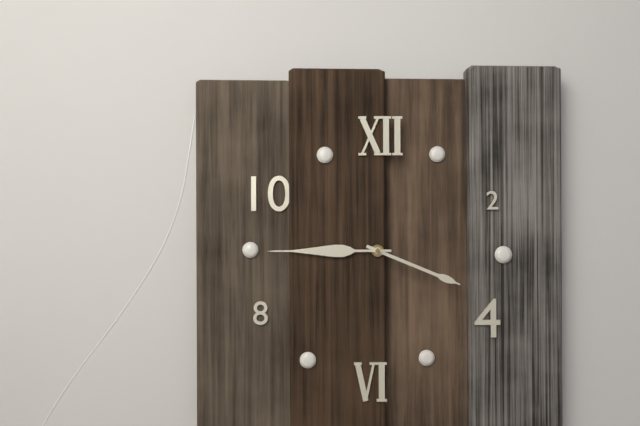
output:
3.45
